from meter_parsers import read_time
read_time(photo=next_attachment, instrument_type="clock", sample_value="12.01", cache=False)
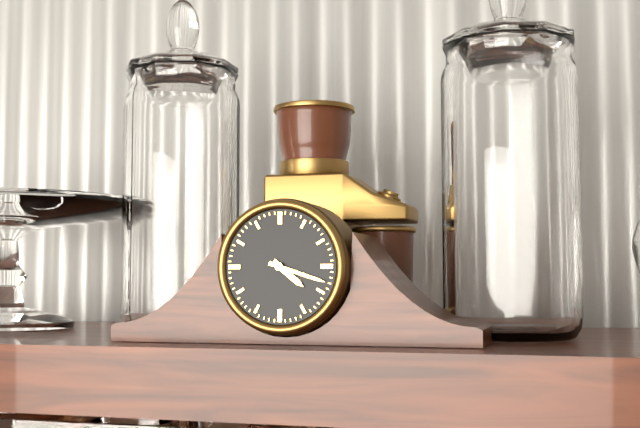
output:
4.18
